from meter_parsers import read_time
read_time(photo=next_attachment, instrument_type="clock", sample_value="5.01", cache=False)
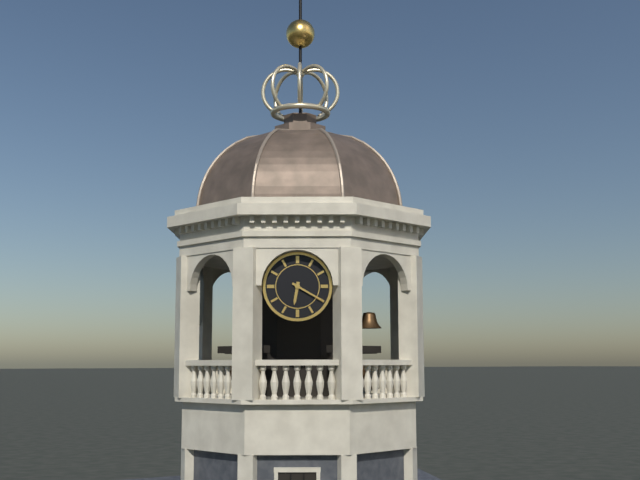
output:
6.20
